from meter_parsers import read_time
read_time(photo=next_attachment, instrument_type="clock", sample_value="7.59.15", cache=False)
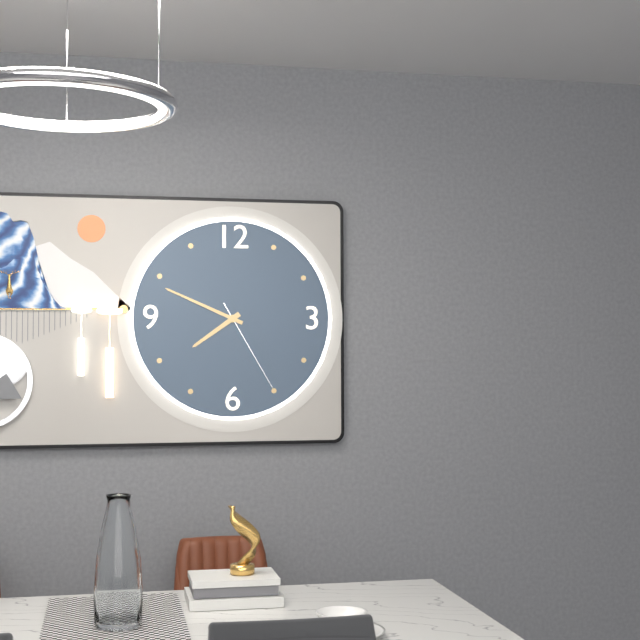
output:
7.49.25
